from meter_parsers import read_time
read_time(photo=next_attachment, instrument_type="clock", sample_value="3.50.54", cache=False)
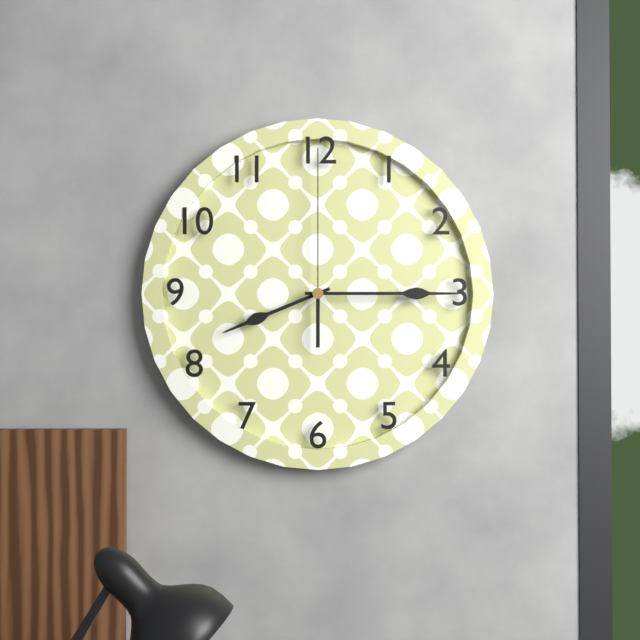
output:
8.15.00
